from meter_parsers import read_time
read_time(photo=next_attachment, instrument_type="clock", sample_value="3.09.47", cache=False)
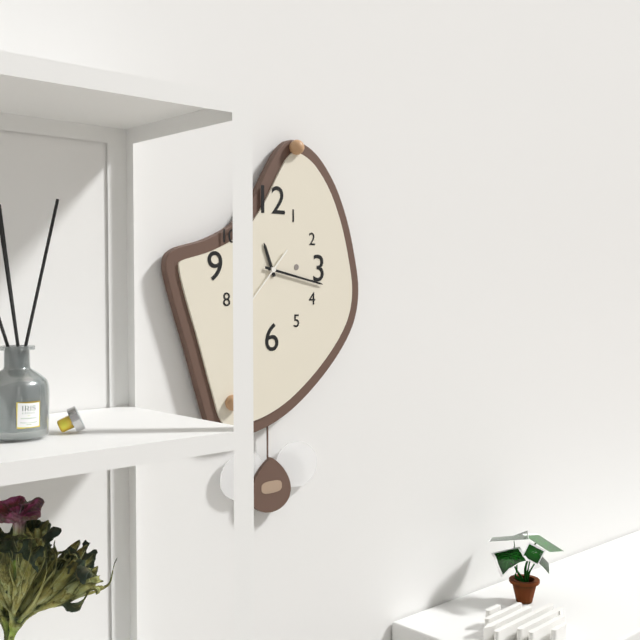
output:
11.17.37
